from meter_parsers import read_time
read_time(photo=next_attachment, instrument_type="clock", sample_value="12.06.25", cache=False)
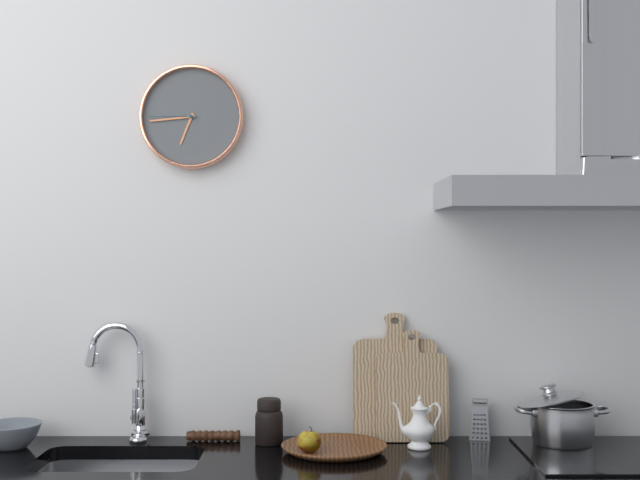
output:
6.44.45
